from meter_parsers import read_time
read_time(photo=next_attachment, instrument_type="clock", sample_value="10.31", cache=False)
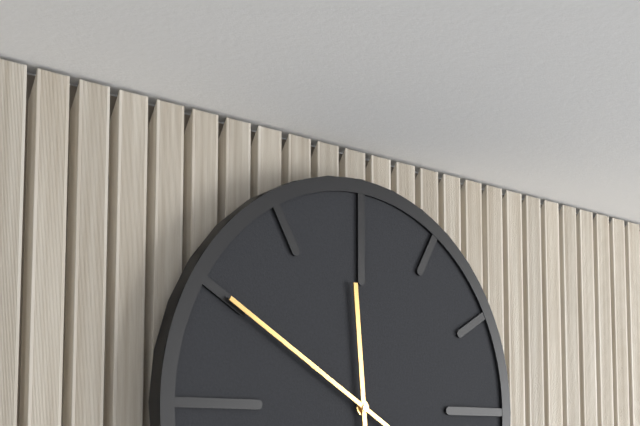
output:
11.50
